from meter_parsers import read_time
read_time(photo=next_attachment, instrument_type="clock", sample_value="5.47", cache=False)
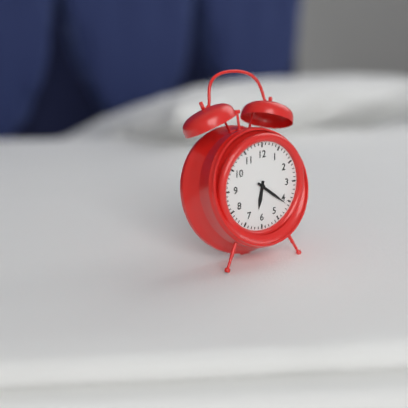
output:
6.21
